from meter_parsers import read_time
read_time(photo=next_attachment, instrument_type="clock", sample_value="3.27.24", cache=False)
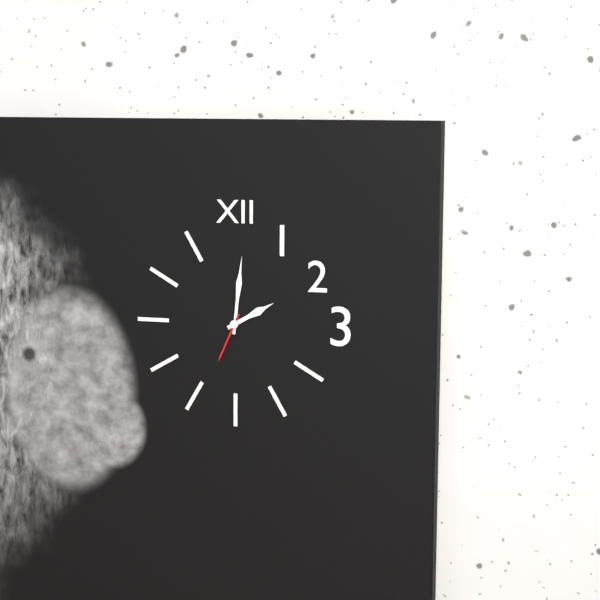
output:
2.01.34
